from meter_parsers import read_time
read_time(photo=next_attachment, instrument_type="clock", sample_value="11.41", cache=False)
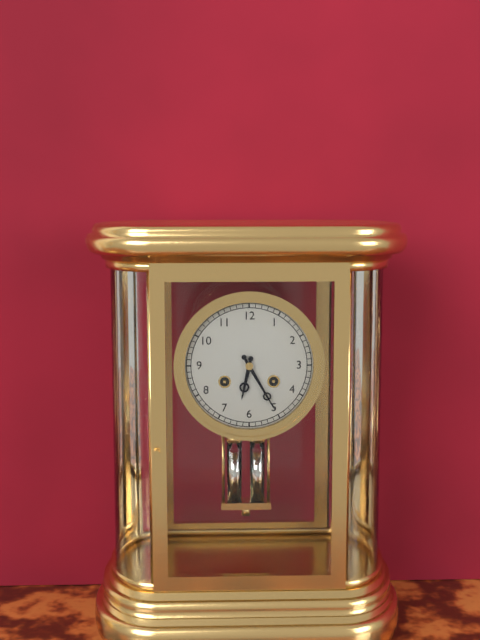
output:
6.25
